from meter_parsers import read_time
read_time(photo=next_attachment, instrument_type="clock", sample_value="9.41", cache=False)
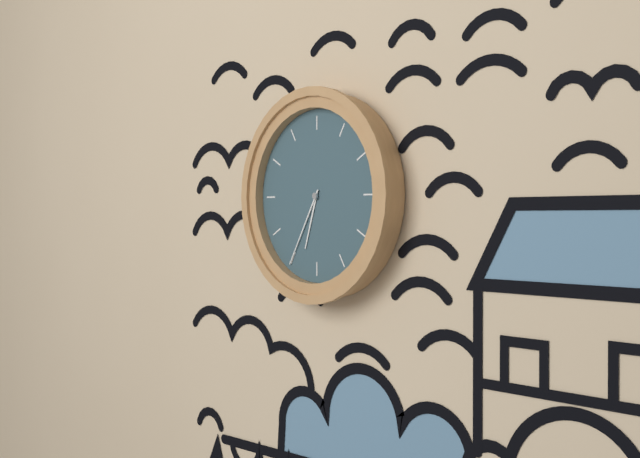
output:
6.35
